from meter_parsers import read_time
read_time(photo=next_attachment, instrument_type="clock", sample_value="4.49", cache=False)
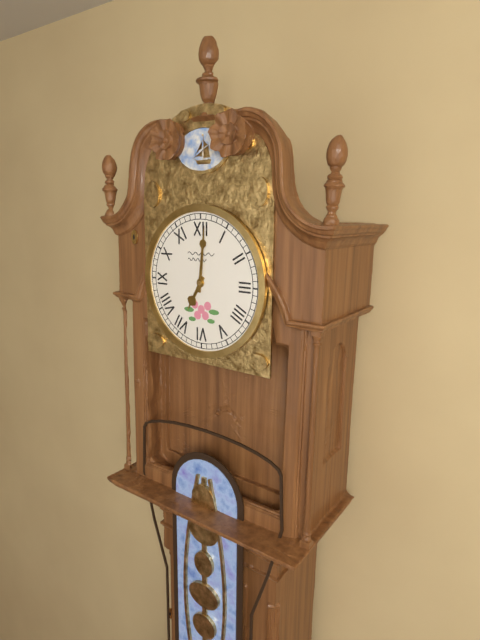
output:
7.01
